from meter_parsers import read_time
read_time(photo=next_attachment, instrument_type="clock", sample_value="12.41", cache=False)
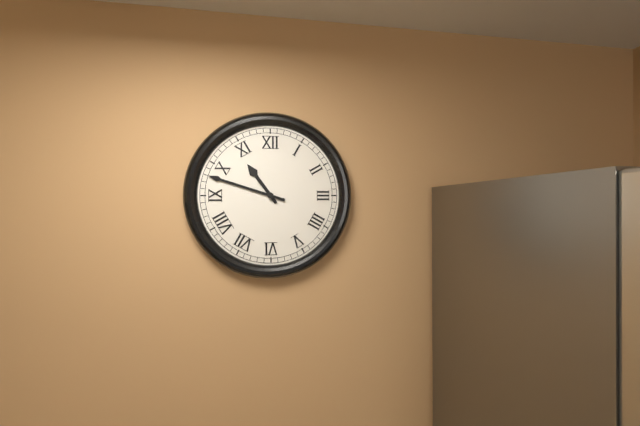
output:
10.48
